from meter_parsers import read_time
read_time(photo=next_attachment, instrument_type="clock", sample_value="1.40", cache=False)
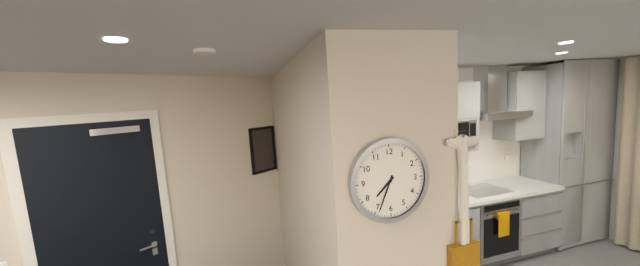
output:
7.34
